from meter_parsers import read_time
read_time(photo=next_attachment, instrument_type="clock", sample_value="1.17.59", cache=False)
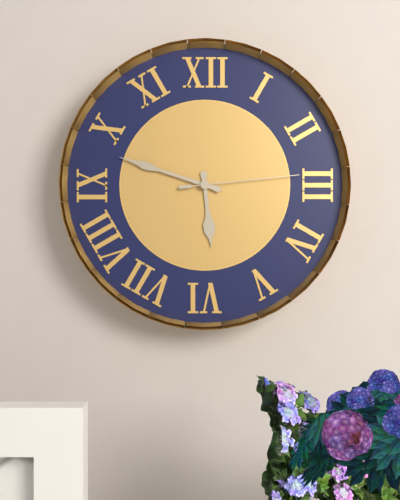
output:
5.48.14
